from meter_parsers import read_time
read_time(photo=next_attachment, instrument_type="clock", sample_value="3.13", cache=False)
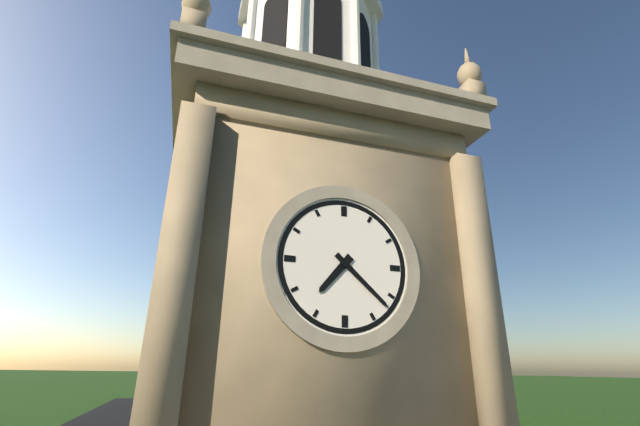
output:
7.22
